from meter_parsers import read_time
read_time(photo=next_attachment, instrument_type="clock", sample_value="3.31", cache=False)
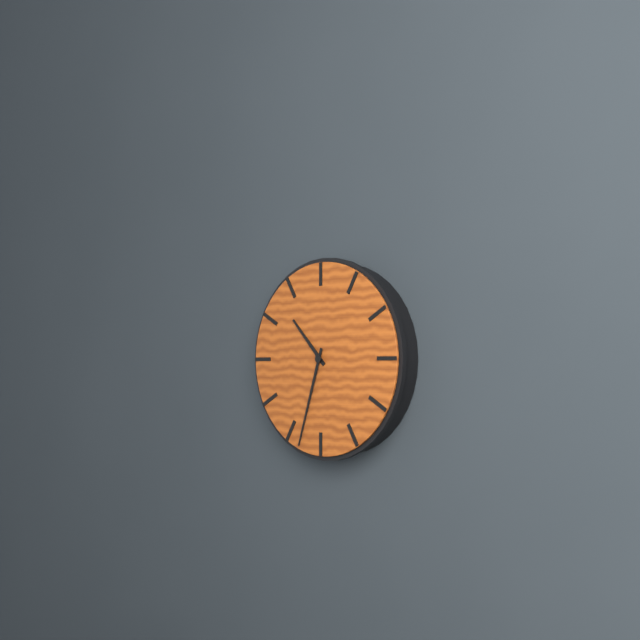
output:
10.33
